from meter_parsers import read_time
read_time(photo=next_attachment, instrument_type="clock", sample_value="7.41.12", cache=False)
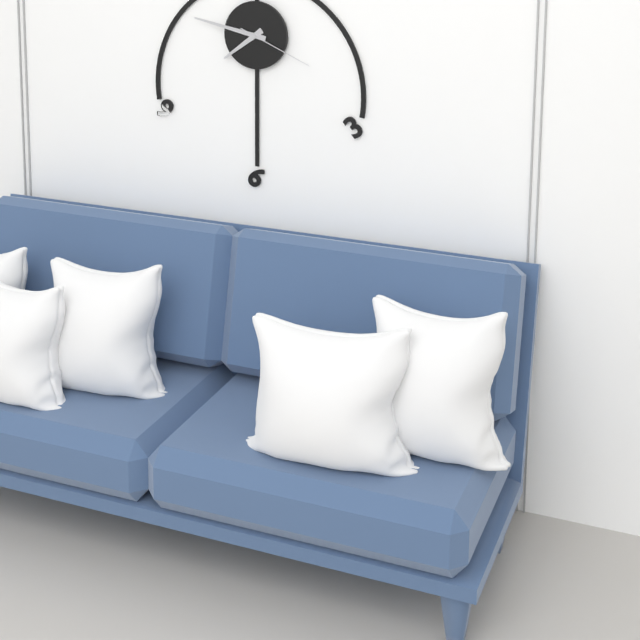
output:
7.47.19
